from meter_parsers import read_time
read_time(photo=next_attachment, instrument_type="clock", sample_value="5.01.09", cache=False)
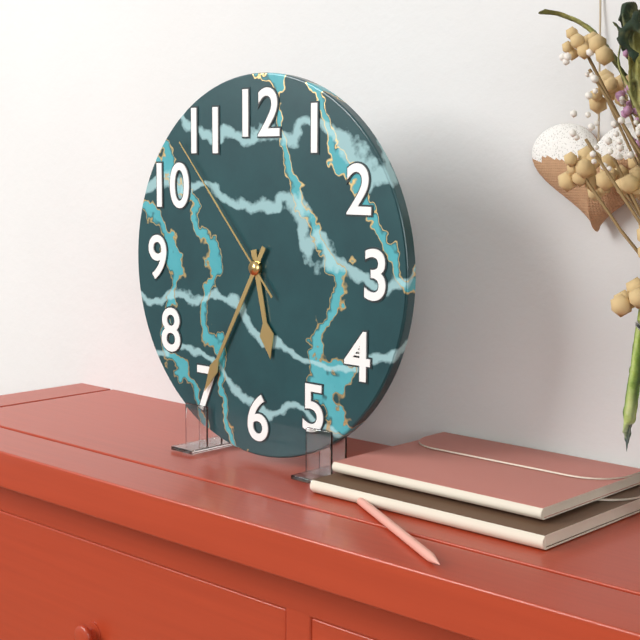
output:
5.35.53
